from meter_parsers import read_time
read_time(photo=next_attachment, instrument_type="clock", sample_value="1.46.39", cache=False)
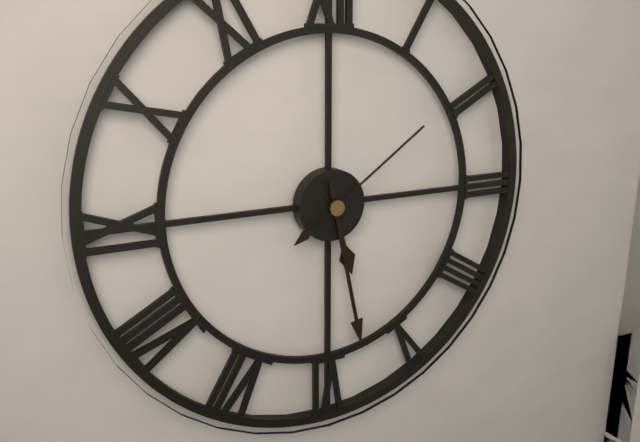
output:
5.28.09
